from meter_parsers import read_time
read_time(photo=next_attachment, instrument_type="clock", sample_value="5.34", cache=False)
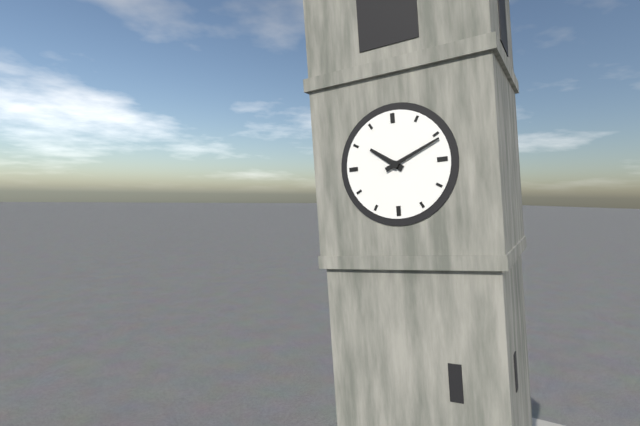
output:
10.11
